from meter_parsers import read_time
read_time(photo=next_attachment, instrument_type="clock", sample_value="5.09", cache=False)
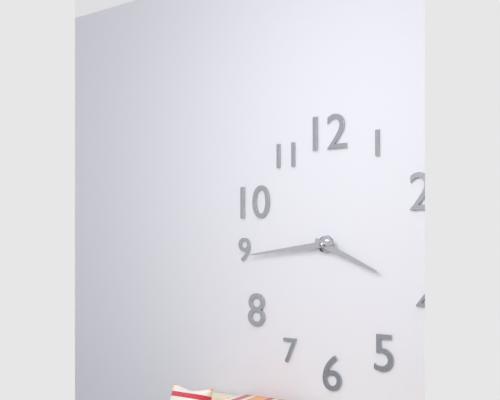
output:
3.44
